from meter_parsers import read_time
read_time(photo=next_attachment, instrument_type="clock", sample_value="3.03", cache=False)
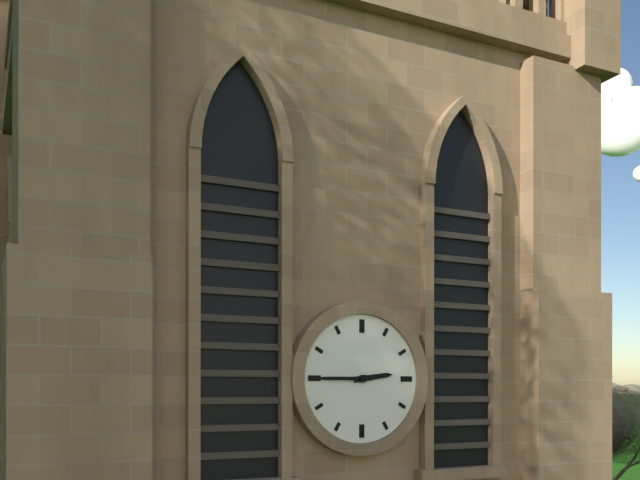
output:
2.45
